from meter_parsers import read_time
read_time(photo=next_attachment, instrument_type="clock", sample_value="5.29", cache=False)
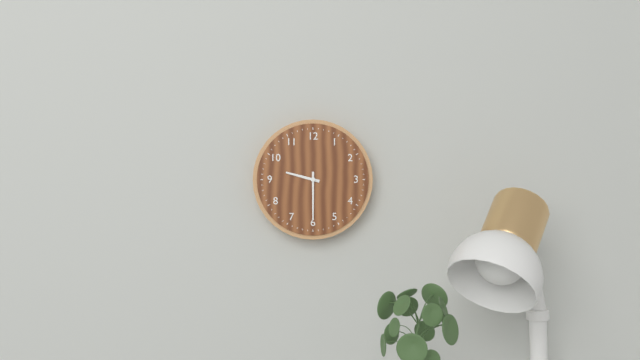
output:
9.30
